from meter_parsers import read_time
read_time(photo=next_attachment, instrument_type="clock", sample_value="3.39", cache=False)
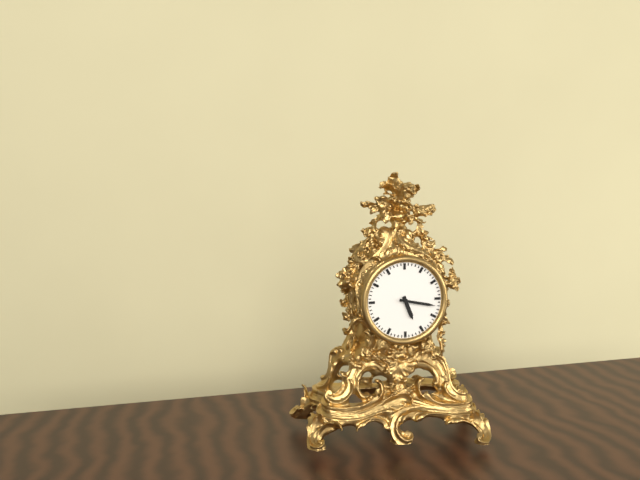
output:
5.17
